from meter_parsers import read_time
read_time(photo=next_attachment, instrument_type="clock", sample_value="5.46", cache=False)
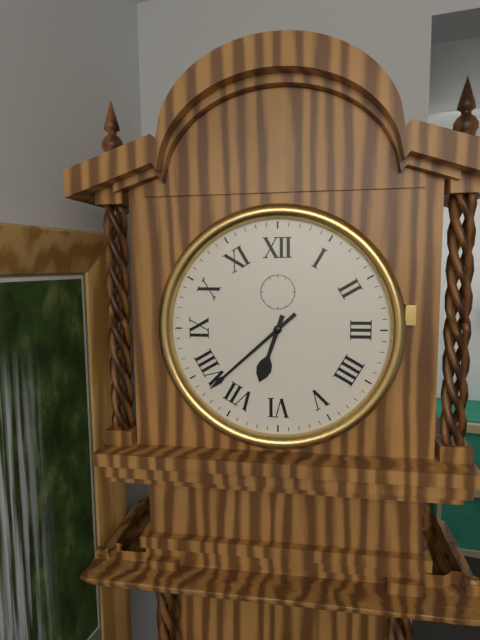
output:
6.38
